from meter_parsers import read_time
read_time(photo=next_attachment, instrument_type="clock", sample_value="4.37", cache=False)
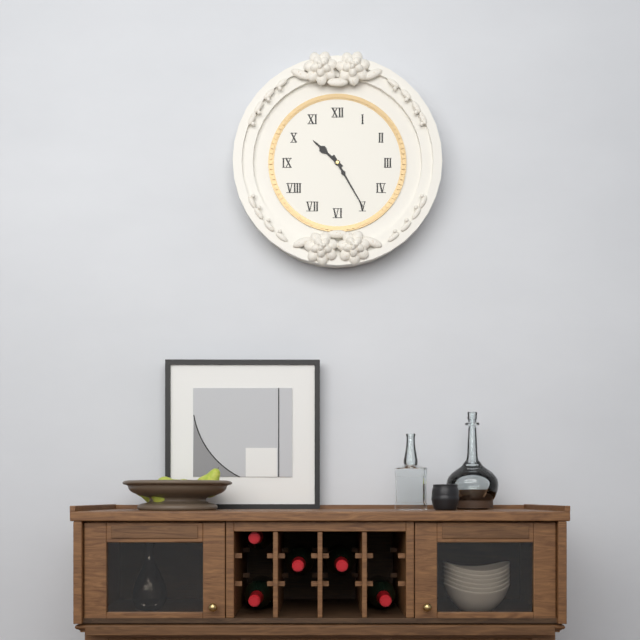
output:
10.25
